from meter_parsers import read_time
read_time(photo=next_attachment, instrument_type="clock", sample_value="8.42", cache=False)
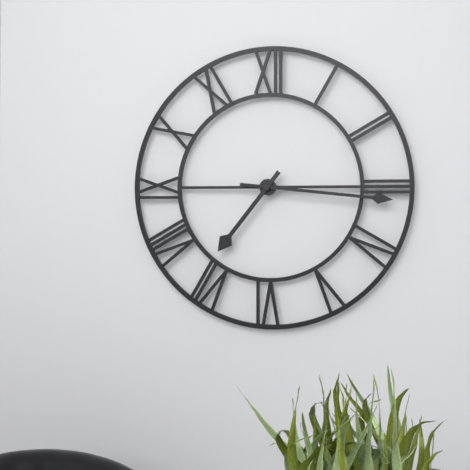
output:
7.16
